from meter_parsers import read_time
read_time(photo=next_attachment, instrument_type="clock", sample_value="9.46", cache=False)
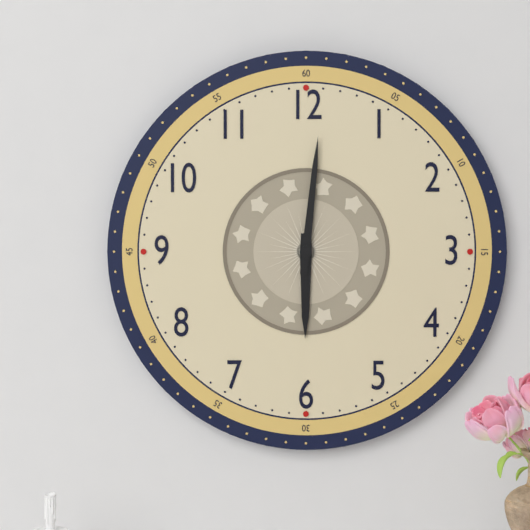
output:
6.01
